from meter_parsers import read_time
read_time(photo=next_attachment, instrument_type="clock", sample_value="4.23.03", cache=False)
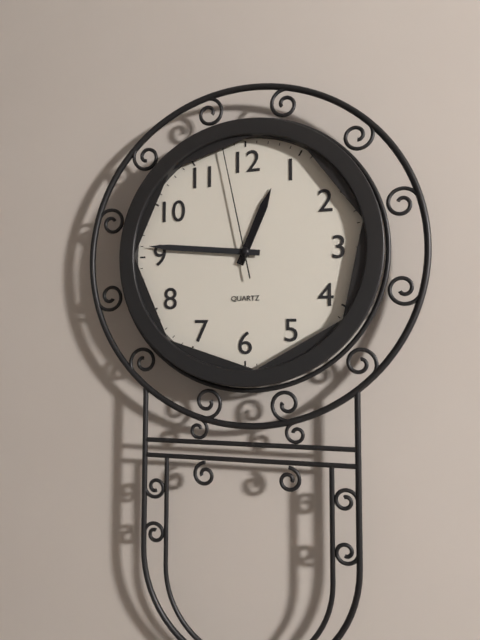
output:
12.46.58
